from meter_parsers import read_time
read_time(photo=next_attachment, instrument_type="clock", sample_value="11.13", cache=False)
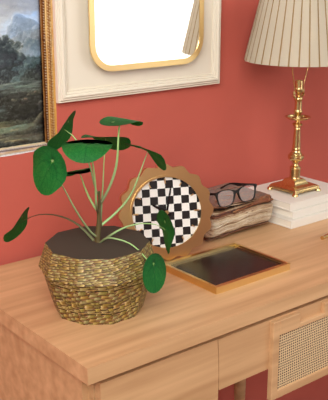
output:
10.02
